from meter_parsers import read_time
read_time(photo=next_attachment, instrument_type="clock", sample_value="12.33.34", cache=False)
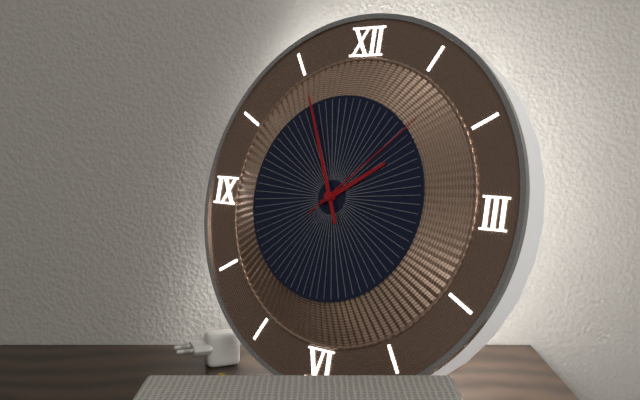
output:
1.56.08
